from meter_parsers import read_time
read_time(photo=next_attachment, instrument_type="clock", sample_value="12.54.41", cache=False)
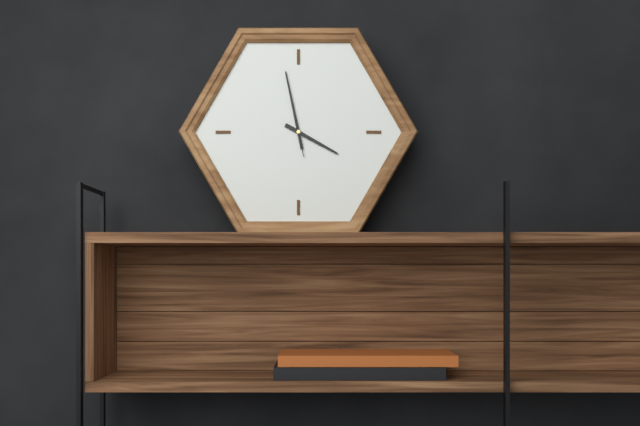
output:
3.58.58
